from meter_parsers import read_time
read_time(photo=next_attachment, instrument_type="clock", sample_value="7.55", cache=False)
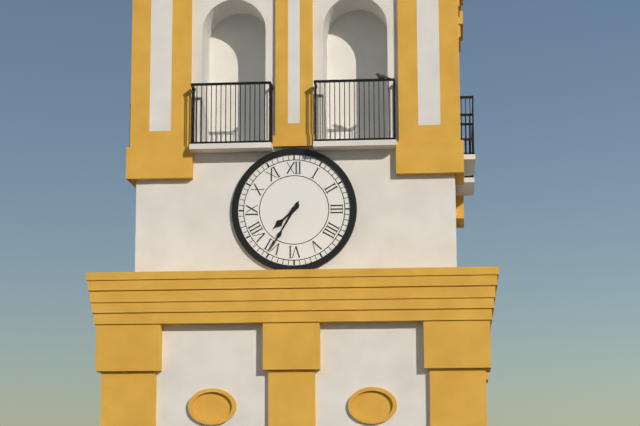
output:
7.35
